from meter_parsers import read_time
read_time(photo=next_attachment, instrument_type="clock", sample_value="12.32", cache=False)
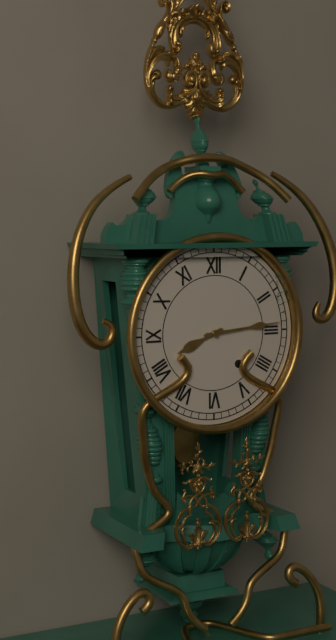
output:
8.14
